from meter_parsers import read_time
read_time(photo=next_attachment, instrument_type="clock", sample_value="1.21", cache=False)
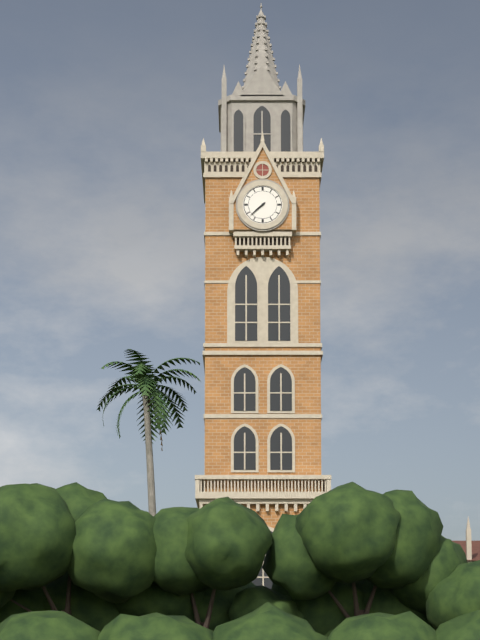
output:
7.38
